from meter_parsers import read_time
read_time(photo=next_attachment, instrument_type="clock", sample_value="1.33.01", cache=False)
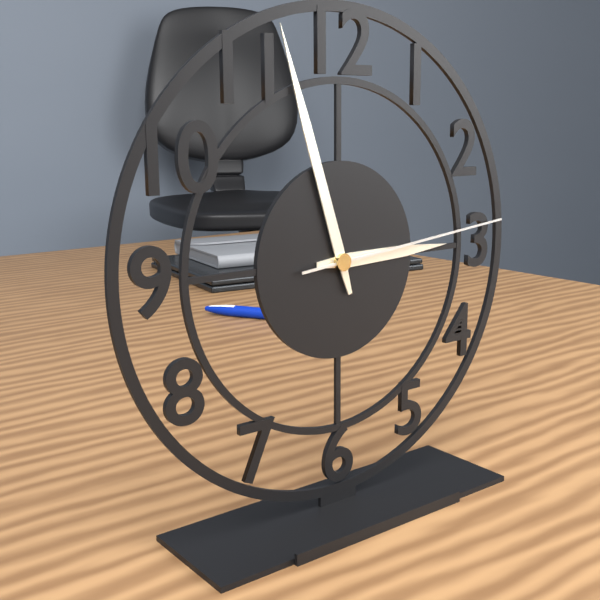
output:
2.57.14
